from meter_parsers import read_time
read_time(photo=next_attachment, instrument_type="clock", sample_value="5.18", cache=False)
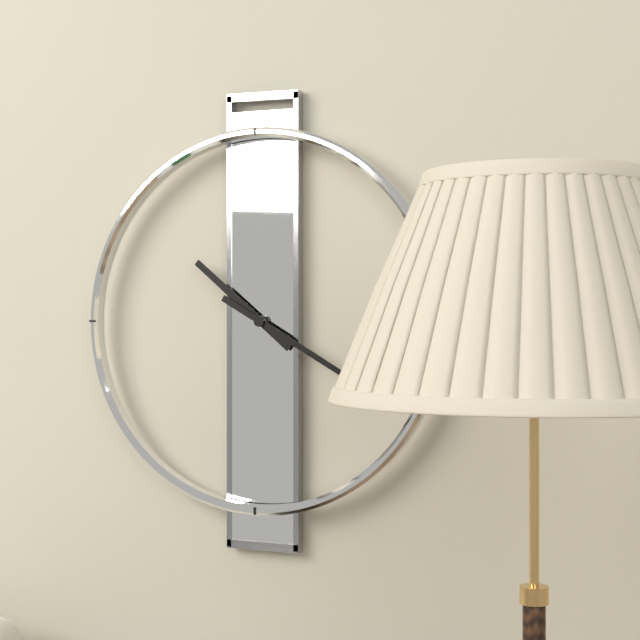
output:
10.20
